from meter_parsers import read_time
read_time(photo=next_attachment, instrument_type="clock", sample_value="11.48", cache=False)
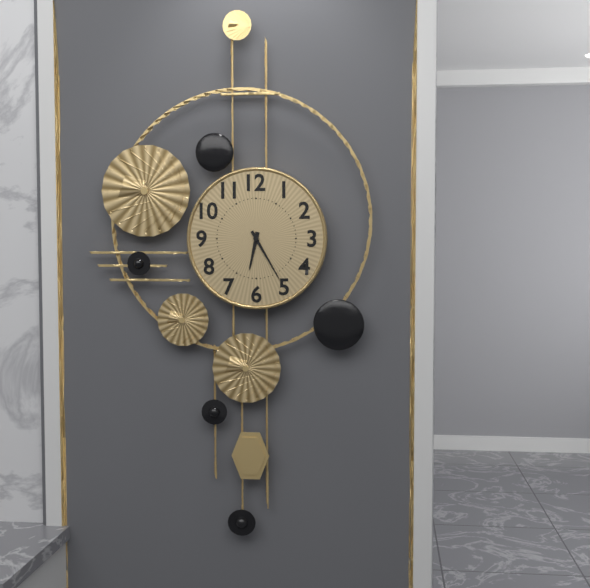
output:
6.25
